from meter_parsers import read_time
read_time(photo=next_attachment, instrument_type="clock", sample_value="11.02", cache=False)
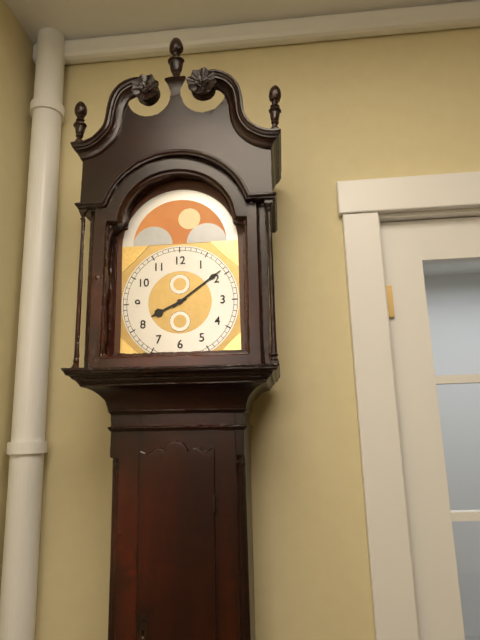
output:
8.09
